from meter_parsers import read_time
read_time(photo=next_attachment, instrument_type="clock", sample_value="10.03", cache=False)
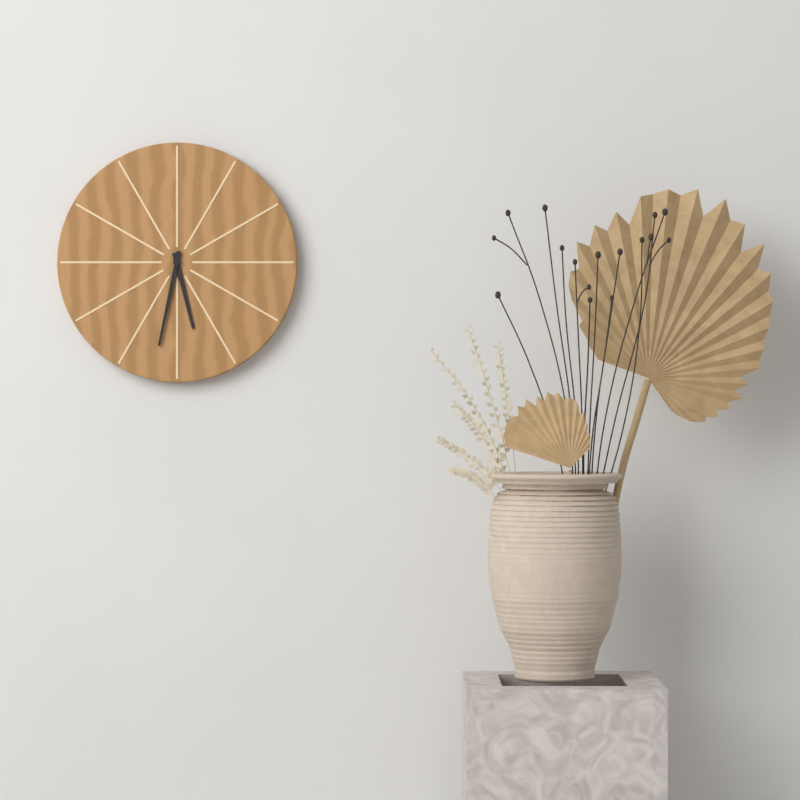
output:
5.32
